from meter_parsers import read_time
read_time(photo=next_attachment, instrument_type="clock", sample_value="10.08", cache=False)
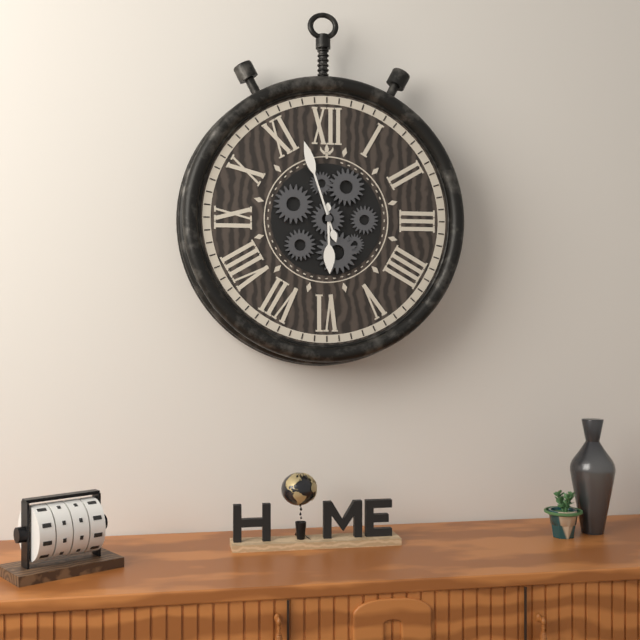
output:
5.57
